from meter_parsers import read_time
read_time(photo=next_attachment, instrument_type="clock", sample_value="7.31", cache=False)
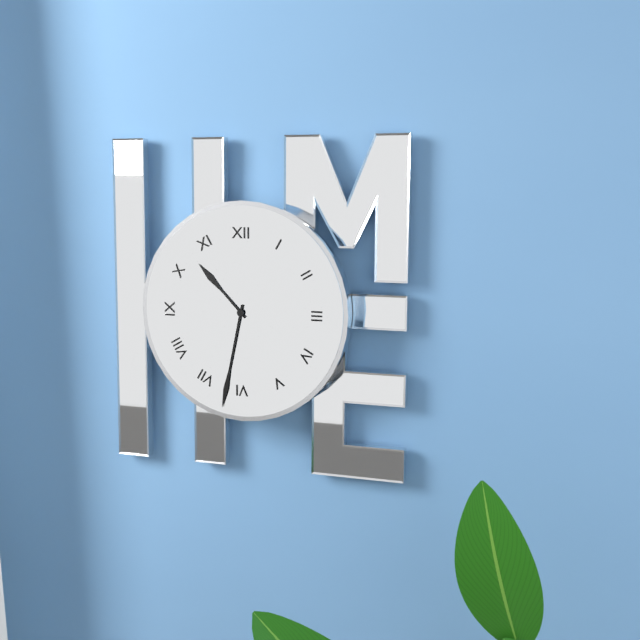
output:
10.32
